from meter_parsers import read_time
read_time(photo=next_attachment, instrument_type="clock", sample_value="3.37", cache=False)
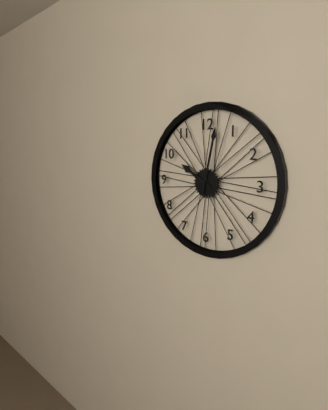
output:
10.02
